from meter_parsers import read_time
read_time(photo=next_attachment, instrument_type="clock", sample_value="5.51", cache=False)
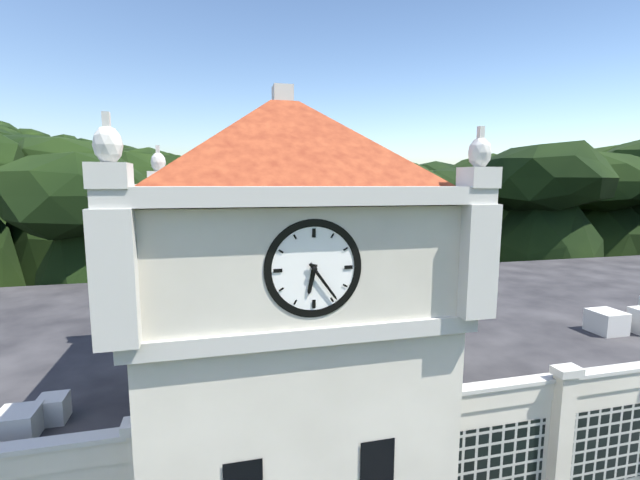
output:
6.24
